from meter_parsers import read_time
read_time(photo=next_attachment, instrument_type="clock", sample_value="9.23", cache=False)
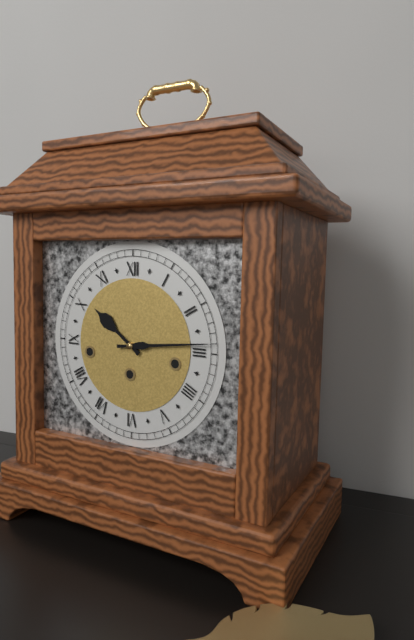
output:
10.14
